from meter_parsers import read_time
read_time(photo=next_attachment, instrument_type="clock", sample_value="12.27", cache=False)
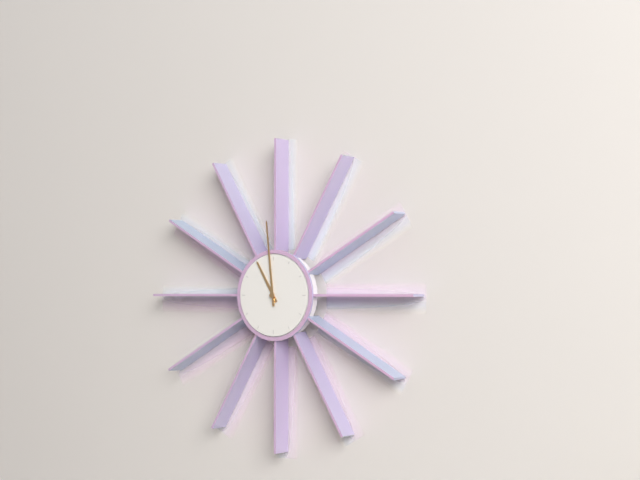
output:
10.59
